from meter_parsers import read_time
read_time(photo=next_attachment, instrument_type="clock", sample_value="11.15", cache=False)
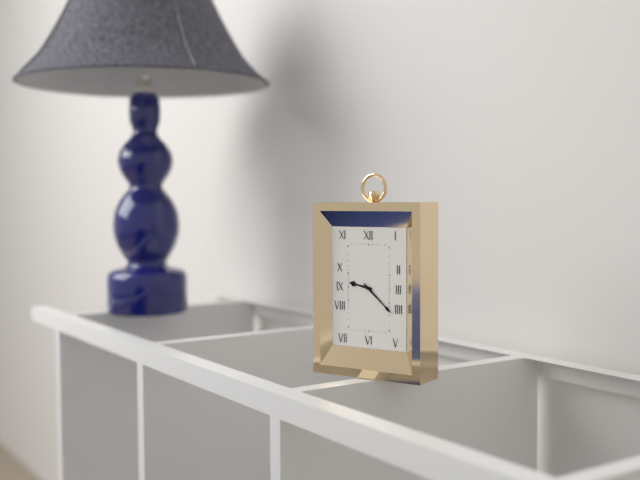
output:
9.22
